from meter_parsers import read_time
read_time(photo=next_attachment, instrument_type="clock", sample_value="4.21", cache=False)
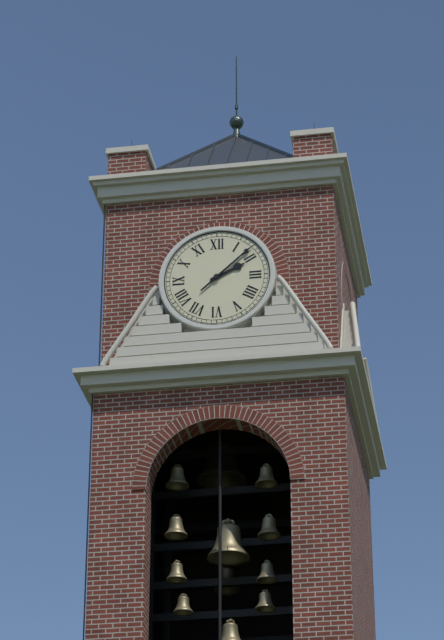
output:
2.08
